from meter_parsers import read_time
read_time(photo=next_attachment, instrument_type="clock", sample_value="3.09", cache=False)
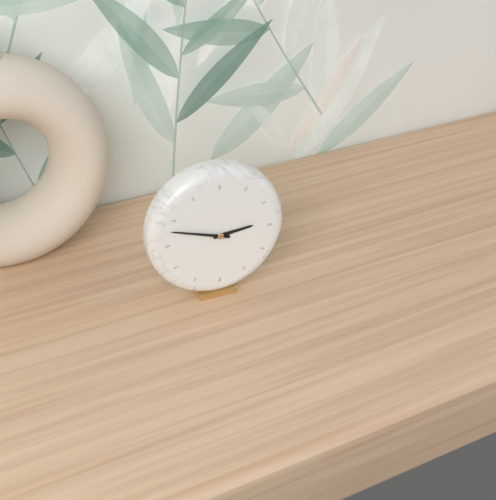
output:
2.48
